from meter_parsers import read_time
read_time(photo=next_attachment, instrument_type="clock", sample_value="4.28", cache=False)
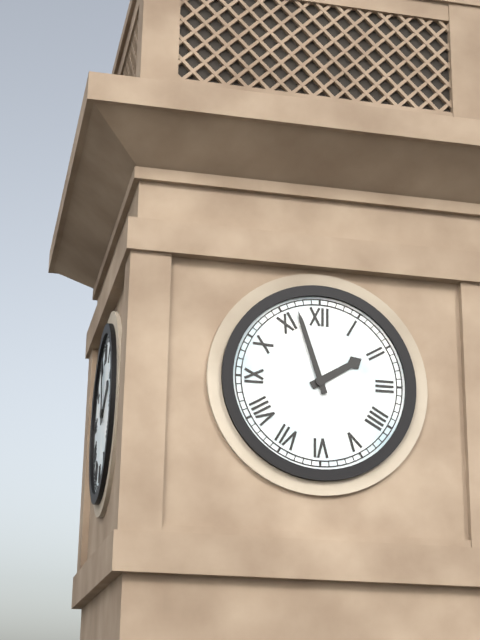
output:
1.57
